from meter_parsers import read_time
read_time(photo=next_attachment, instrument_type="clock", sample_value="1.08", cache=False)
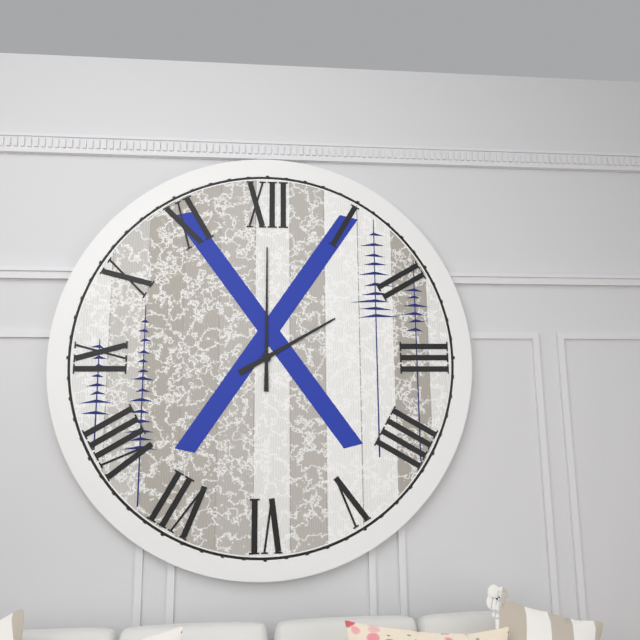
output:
2.00
